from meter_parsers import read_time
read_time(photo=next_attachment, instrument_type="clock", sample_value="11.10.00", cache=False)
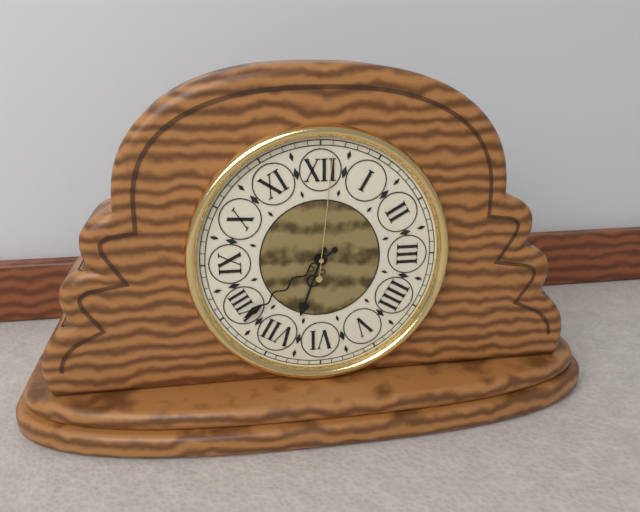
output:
6.39.01
